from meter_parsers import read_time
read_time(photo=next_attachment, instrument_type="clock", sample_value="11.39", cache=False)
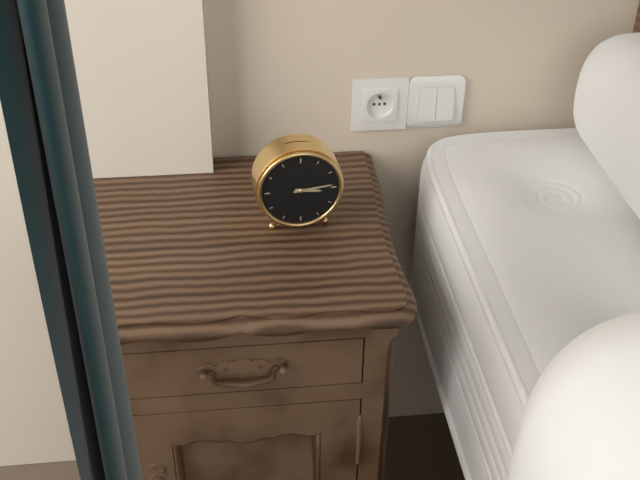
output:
3.14
